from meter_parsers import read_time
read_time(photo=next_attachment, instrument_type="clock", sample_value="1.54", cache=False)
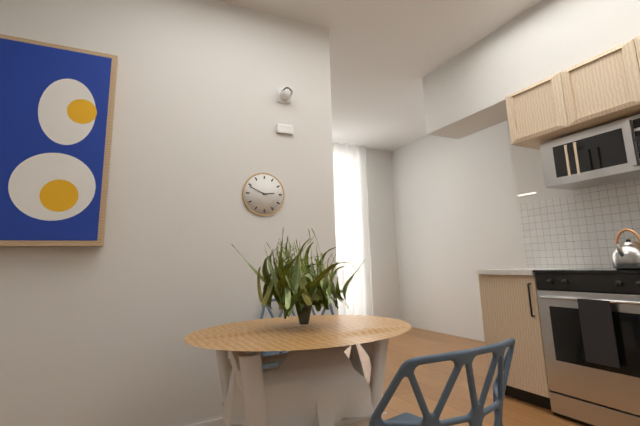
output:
2.49
